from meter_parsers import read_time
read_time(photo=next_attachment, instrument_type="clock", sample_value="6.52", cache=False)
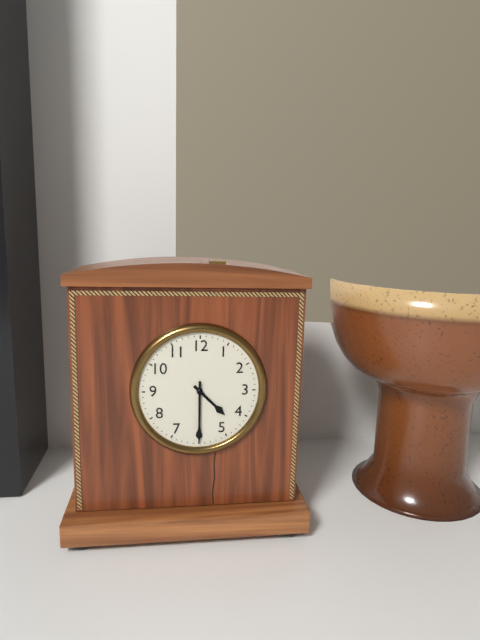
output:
4.30
